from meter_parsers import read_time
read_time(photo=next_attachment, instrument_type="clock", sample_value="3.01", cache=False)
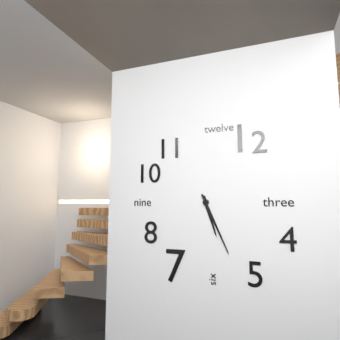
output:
5.26
